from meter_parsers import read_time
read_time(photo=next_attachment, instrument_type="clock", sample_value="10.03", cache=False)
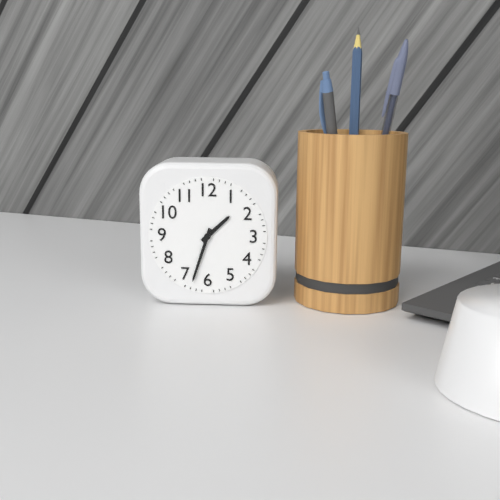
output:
1.33
